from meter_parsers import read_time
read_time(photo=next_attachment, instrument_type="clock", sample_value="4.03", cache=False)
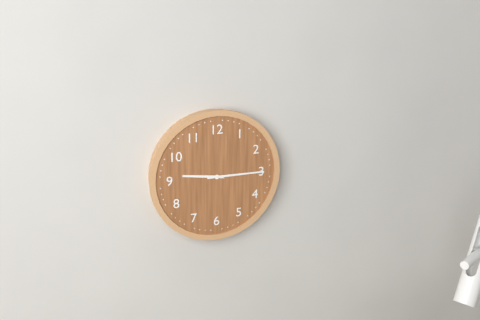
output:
9.15
